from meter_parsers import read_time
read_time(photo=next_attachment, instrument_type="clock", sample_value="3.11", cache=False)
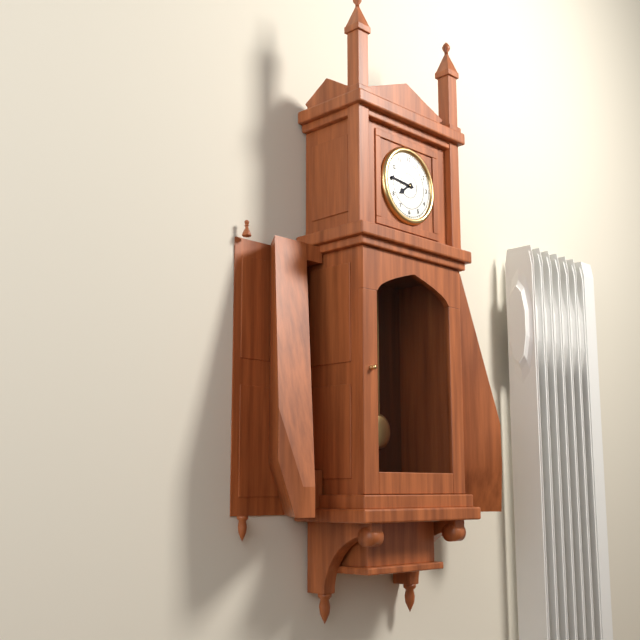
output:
7.46
